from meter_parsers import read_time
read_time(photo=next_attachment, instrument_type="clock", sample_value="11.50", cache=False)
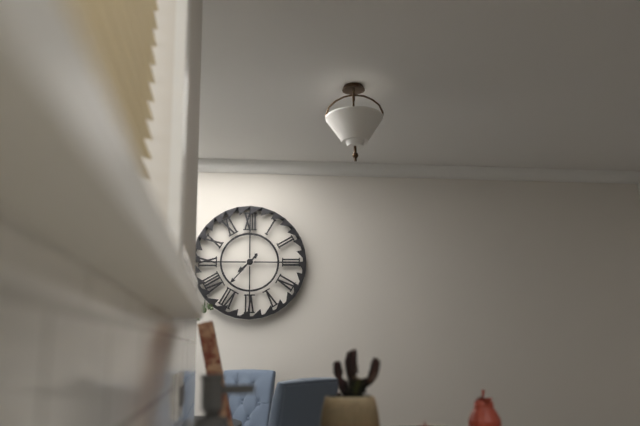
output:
7.37
